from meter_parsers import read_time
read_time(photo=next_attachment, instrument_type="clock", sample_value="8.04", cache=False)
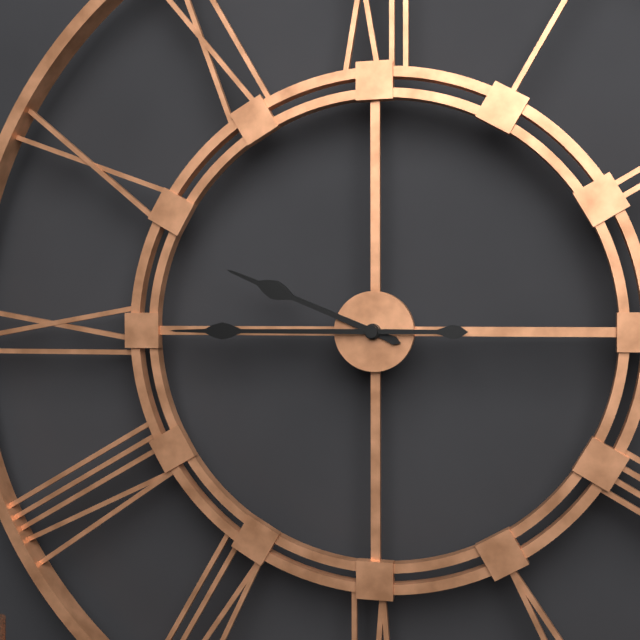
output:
9.45
